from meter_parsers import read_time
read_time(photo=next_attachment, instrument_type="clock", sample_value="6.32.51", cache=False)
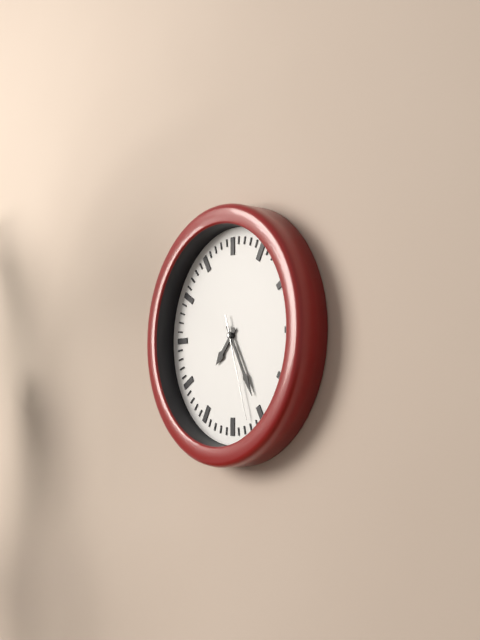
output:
7.25.27
